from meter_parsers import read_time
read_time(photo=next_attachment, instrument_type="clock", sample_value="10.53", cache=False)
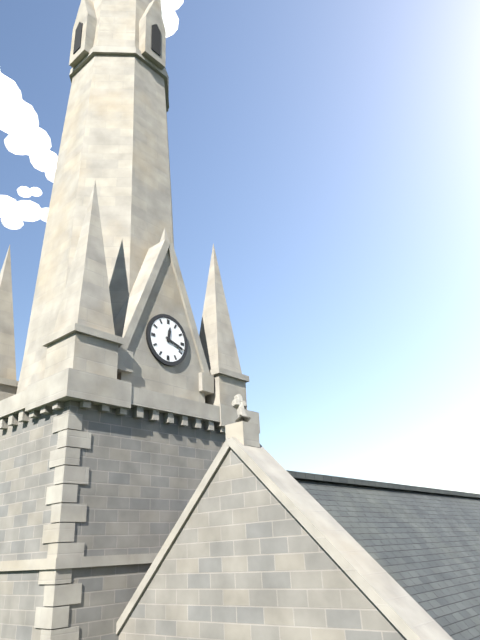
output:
12.18
